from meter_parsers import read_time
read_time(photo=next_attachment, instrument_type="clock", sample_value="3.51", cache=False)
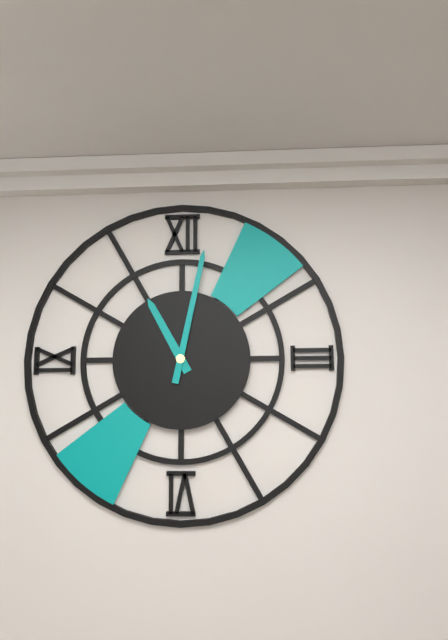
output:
11.02
